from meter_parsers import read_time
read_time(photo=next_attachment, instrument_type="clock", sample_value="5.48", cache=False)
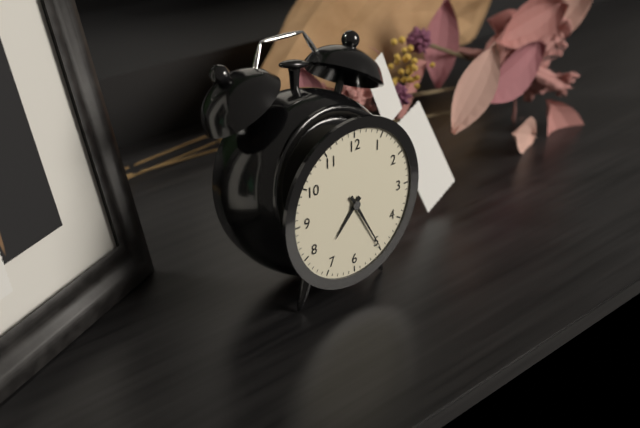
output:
7.25
